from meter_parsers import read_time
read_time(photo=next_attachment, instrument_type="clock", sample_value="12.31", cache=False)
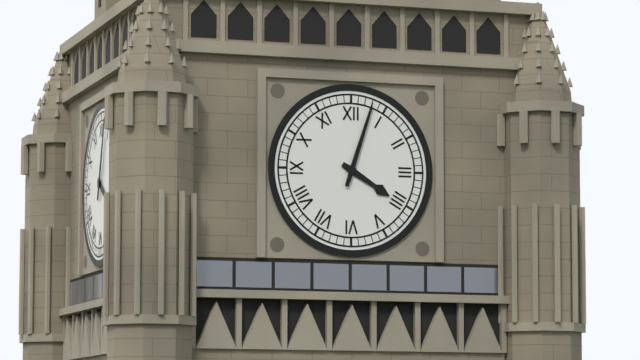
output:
4.03
